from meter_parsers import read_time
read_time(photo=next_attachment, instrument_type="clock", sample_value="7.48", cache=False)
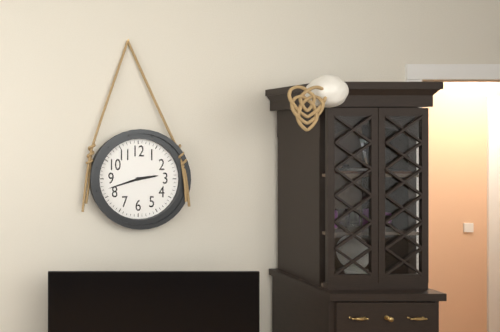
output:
2.42
